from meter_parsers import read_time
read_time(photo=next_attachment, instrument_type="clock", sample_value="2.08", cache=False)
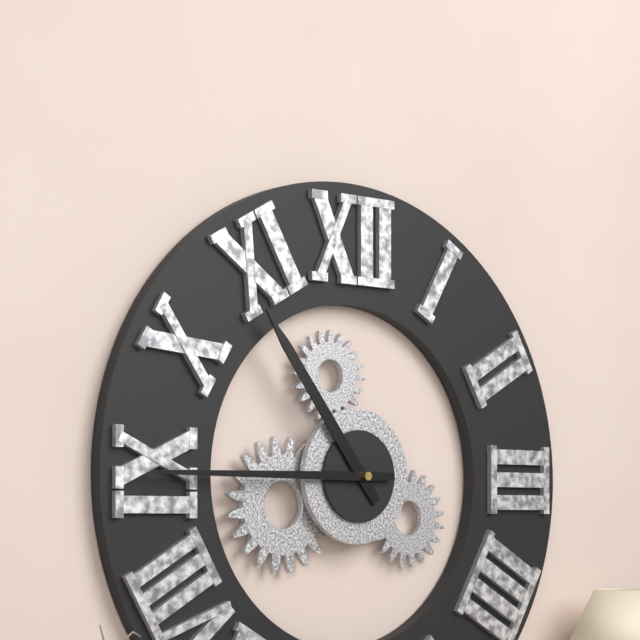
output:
10.45
